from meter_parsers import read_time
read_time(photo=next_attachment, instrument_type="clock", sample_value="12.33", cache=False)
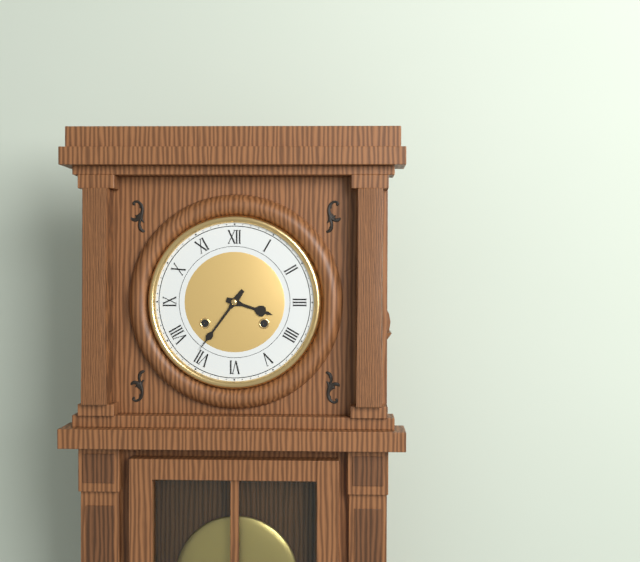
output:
3.36
